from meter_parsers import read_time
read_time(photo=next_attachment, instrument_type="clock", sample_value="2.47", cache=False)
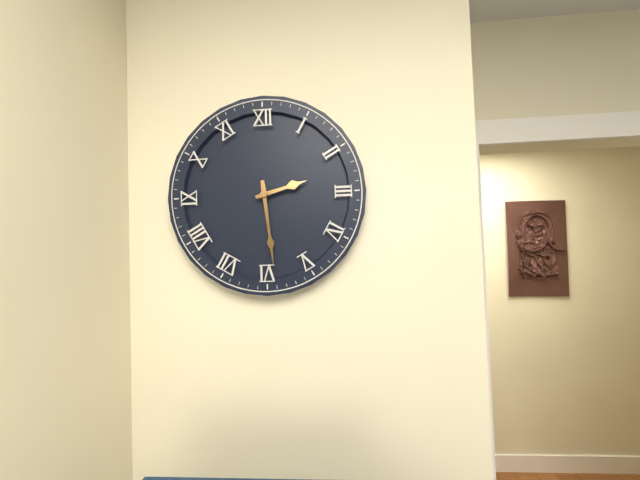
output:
2.29
